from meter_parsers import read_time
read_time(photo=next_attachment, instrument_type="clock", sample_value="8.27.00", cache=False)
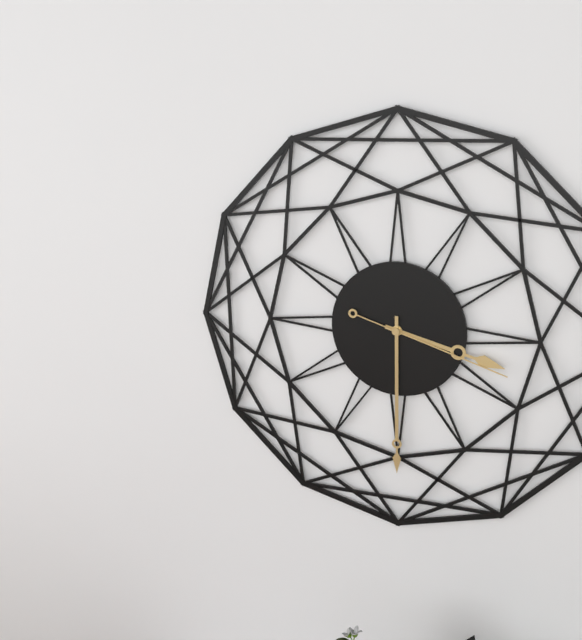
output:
3.30.18
